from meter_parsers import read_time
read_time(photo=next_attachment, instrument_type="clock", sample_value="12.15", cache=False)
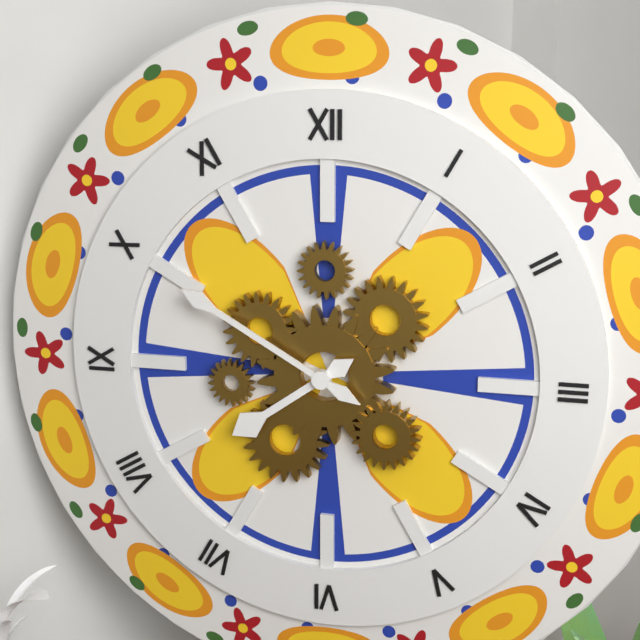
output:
7.50
